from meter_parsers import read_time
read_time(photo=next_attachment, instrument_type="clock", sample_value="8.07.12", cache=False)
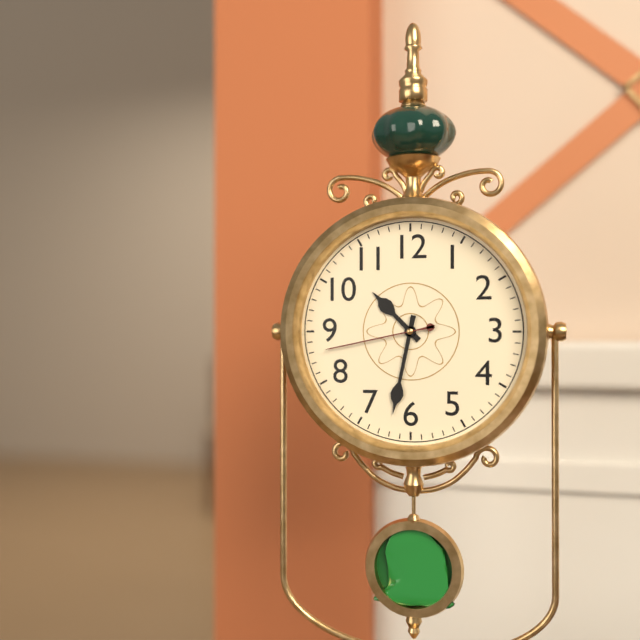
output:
10.32.43
